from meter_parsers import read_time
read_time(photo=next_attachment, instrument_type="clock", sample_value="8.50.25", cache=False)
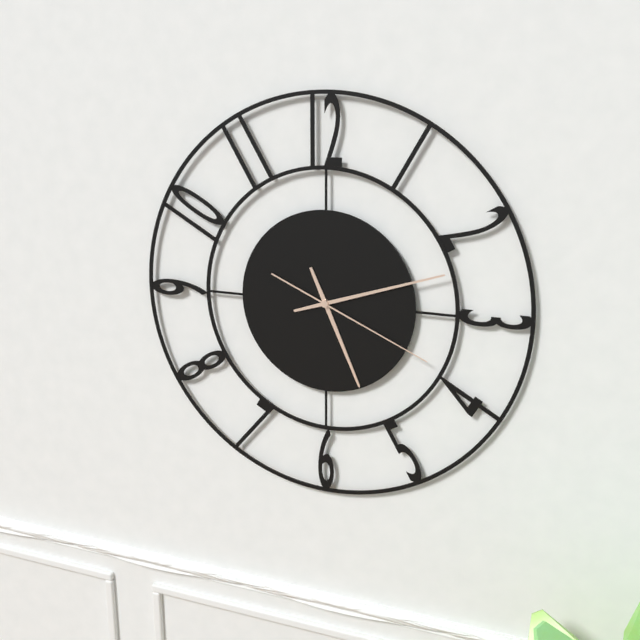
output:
5.12.19
